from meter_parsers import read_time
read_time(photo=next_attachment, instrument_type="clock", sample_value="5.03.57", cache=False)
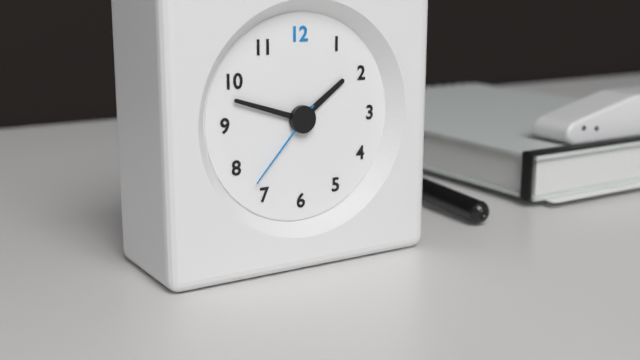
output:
1.48.37
